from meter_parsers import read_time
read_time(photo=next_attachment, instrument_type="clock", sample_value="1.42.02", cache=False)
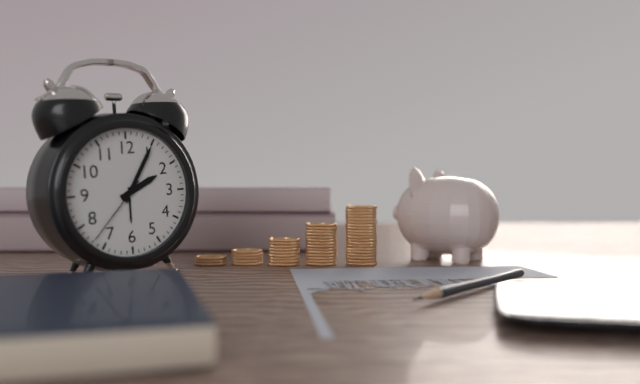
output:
2.05.37
